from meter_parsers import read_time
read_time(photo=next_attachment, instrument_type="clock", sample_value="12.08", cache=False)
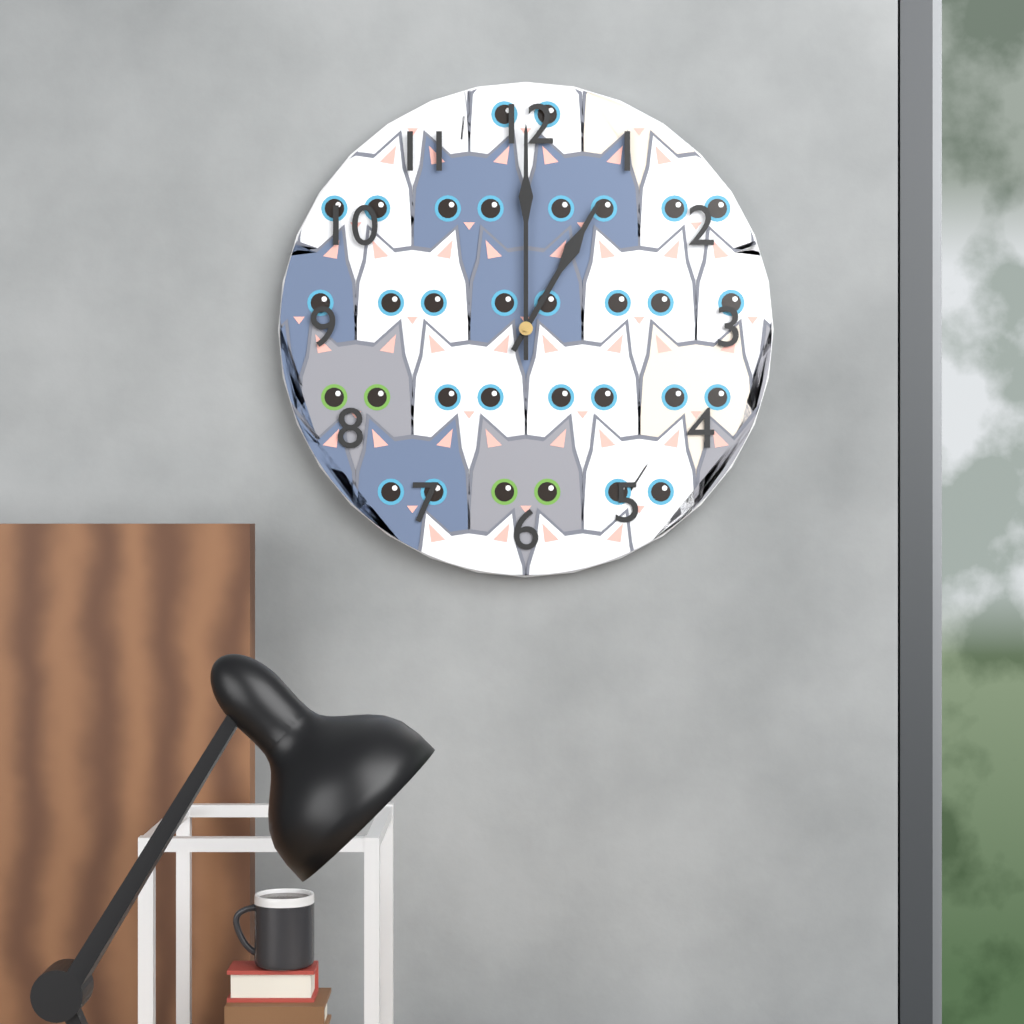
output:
1.00
